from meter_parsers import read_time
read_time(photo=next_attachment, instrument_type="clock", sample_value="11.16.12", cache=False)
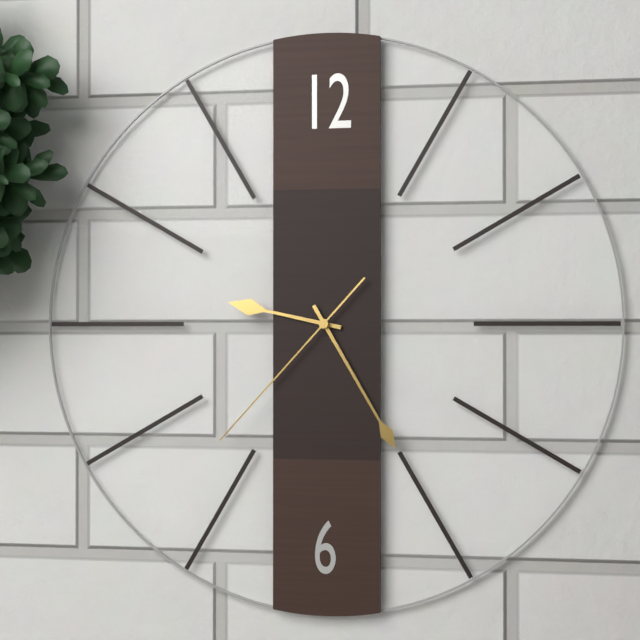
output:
9.25.37
